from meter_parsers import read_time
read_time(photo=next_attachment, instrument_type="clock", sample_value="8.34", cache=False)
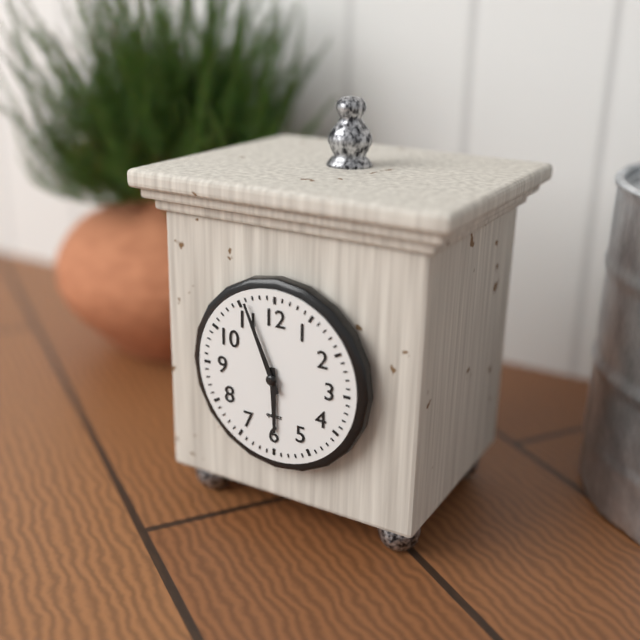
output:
5.56
